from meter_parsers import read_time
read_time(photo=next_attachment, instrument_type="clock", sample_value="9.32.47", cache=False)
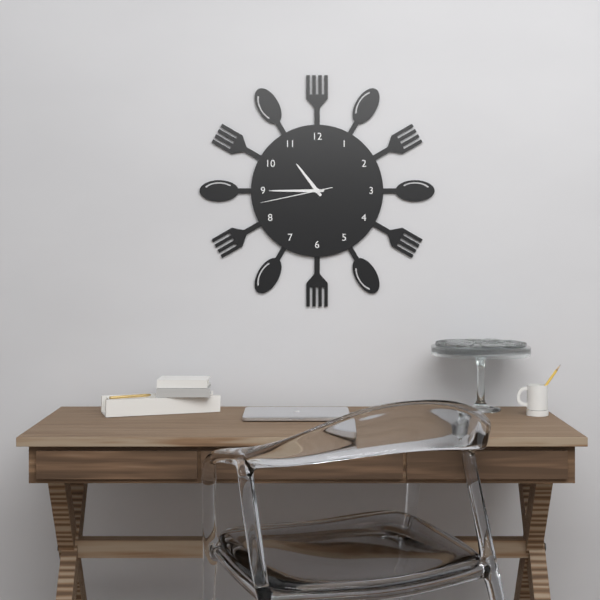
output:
10.45.43
